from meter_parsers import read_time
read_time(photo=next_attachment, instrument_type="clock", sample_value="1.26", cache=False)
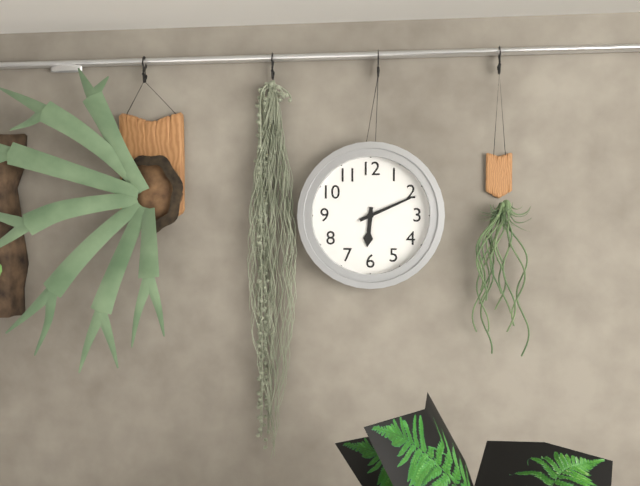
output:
6.11
